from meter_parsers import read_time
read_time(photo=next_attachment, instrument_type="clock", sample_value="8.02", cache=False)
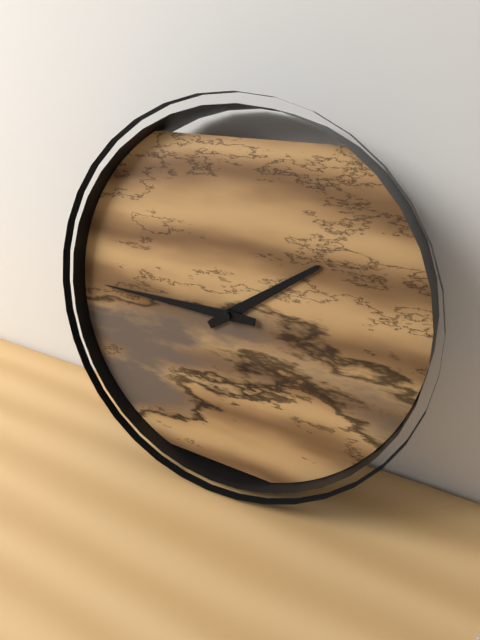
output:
1.45
